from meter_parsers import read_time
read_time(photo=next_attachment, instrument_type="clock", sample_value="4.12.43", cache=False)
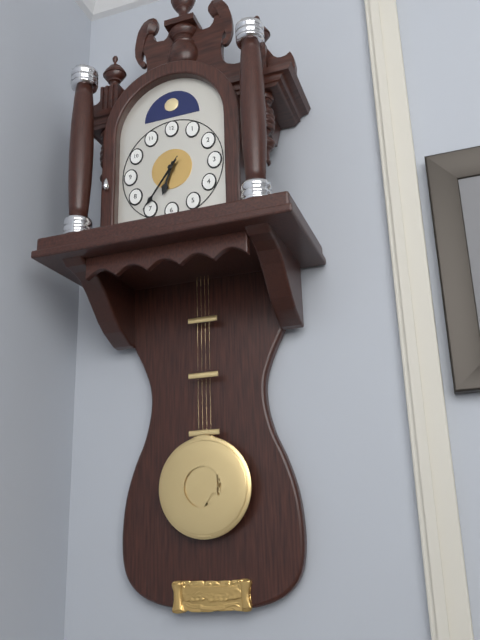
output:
6.36.36
